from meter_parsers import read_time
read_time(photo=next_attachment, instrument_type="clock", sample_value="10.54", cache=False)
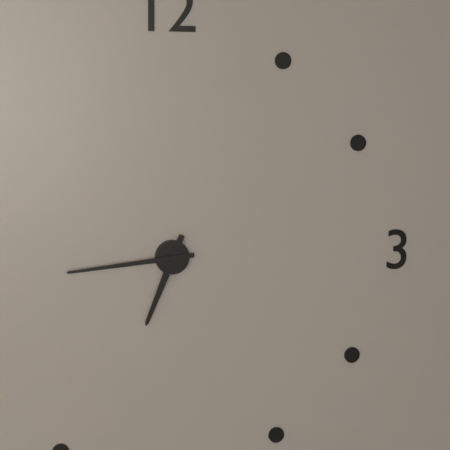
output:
6.44
